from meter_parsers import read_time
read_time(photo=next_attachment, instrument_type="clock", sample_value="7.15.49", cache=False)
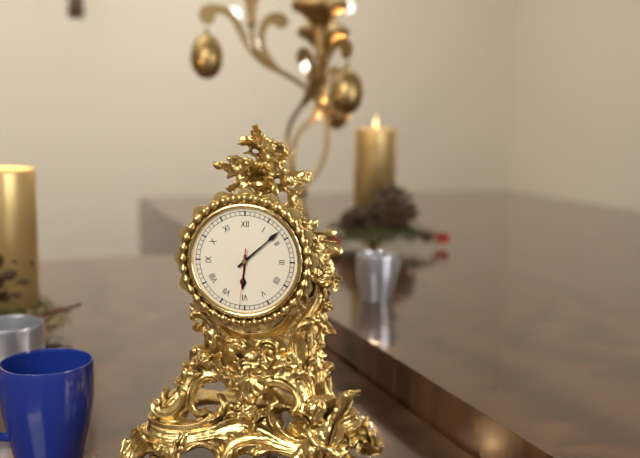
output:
6.08.31
